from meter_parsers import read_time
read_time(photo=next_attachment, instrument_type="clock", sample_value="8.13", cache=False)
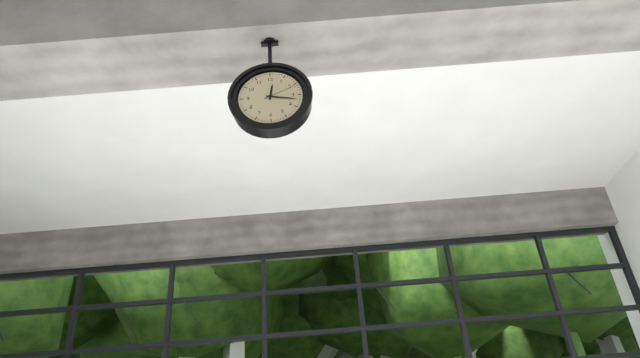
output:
12.17
